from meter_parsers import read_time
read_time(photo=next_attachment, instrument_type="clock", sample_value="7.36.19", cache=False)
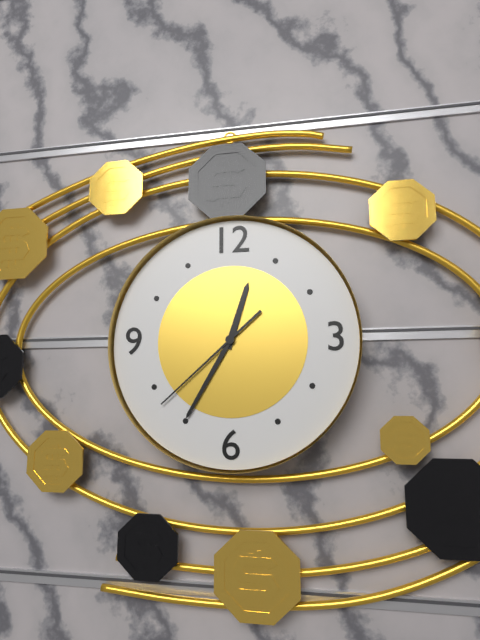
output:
12.35.38
